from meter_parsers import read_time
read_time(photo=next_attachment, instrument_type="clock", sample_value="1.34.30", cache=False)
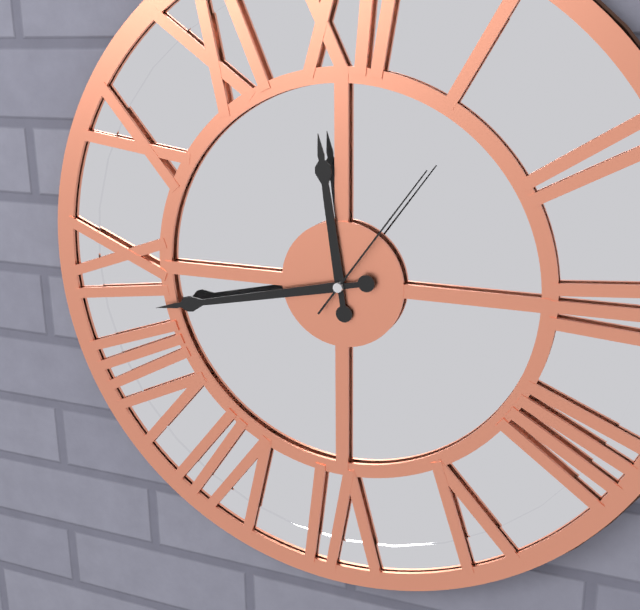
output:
11.43.06
